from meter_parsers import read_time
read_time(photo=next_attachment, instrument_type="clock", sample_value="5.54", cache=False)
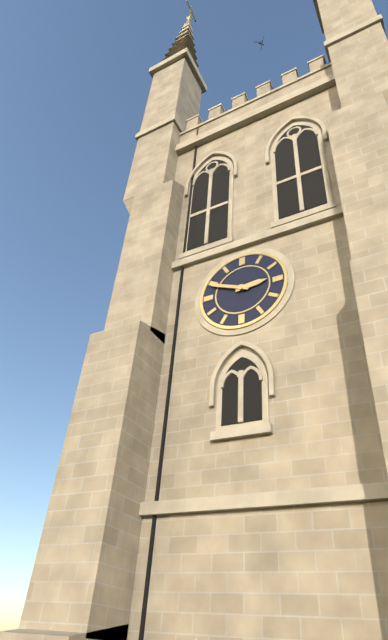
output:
2.49
